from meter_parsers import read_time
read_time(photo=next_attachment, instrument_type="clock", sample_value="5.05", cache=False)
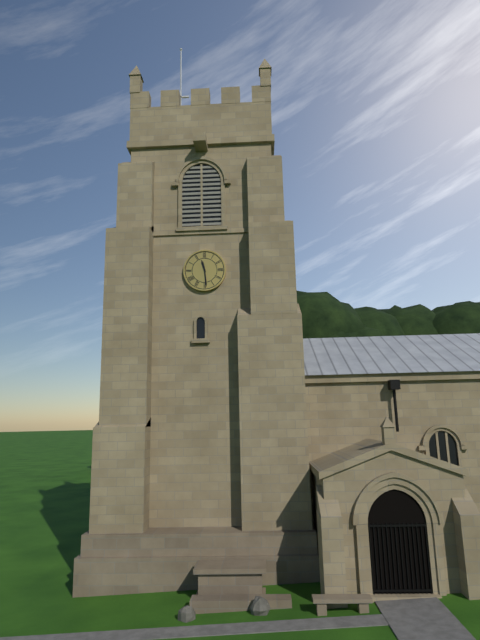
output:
11.29
